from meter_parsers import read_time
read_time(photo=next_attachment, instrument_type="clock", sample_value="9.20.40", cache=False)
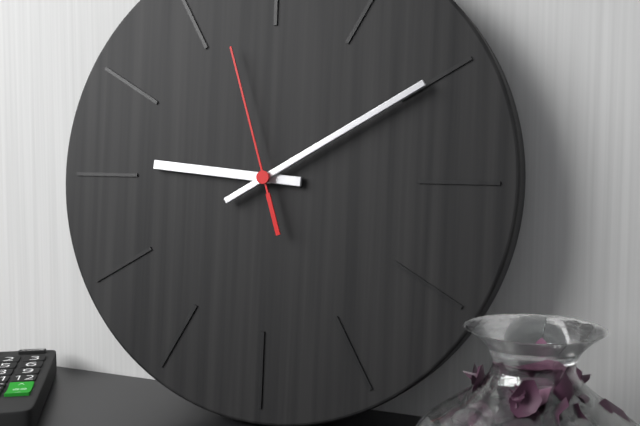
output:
9.10.57
